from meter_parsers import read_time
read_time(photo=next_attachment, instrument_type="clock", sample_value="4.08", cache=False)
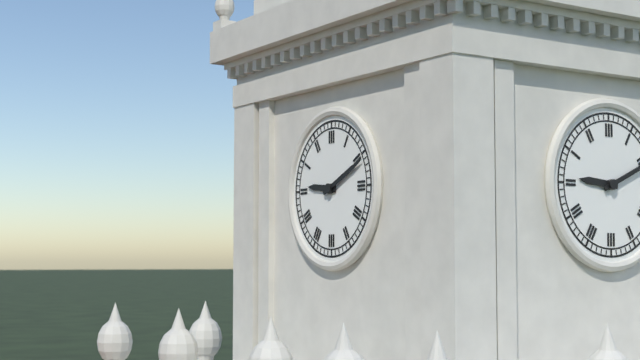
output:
9.11
